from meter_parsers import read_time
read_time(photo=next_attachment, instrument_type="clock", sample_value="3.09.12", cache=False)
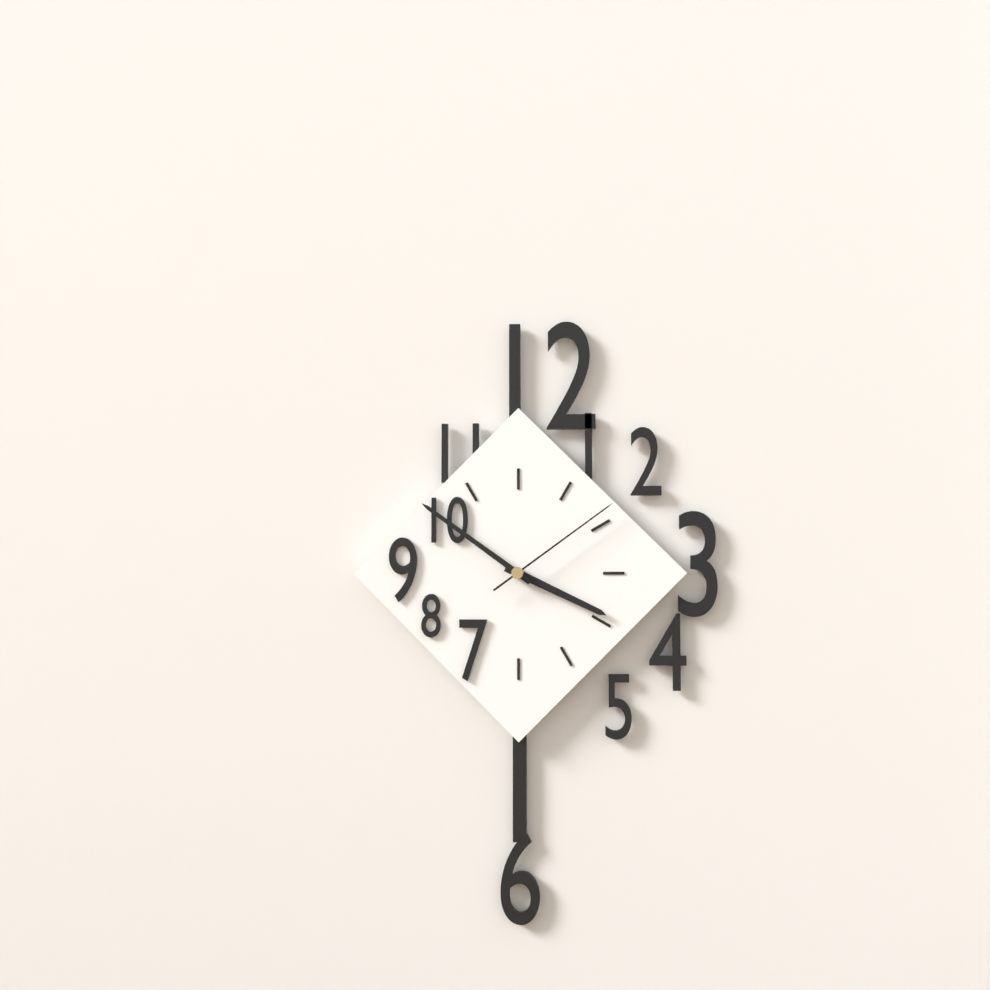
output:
3.51.09
